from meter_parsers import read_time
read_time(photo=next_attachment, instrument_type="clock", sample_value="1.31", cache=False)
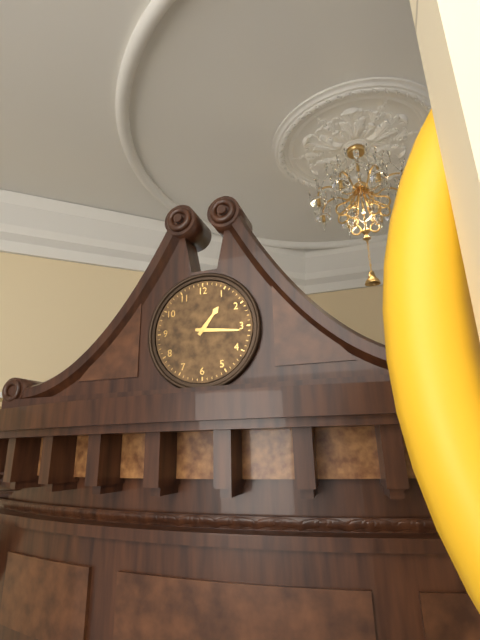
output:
1.16
